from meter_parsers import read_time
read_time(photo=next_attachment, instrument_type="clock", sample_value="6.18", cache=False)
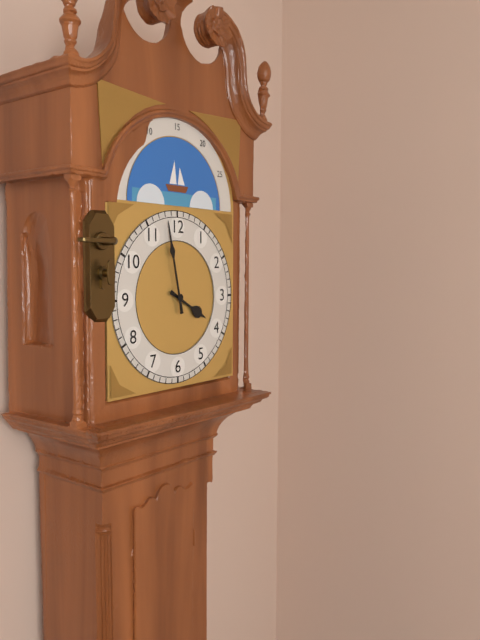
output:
3.58
